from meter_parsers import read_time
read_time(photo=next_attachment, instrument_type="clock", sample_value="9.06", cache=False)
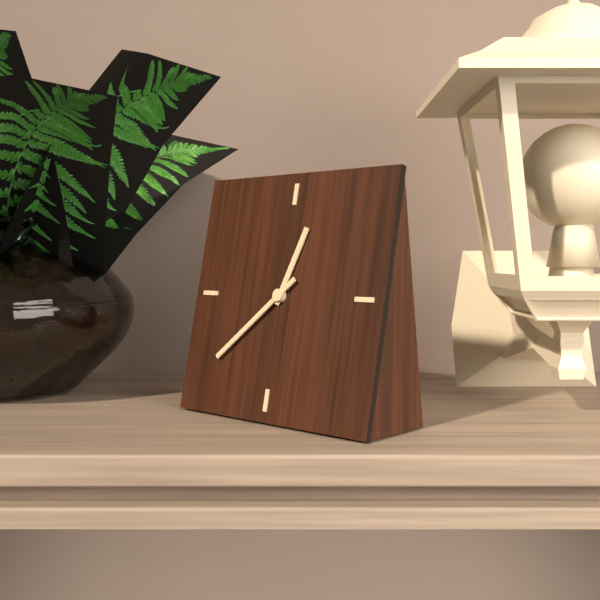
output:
12.38
